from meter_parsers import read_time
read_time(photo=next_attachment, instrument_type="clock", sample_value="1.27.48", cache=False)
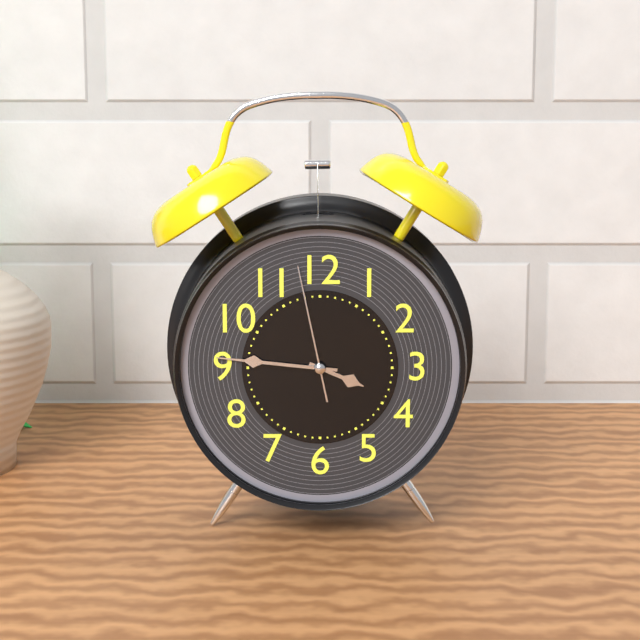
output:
3.46.58
